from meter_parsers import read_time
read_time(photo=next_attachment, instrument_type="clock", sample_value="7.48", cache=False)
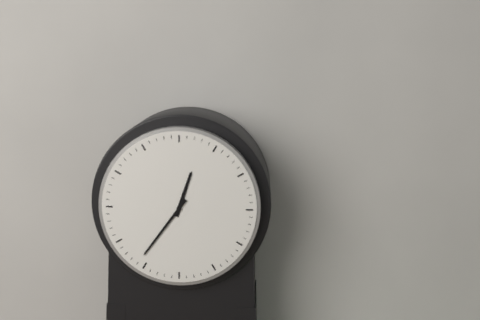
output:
12.36
